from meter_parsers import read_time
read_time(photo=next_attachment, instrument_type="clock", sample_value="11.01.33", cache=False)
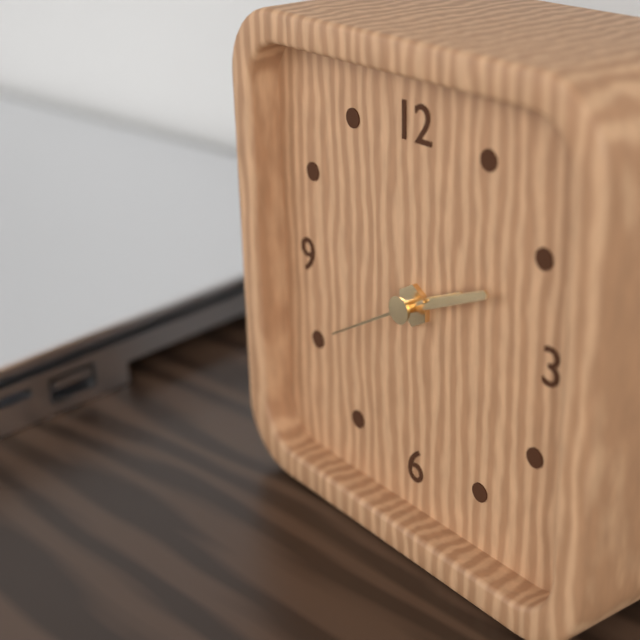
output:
2.11.40
